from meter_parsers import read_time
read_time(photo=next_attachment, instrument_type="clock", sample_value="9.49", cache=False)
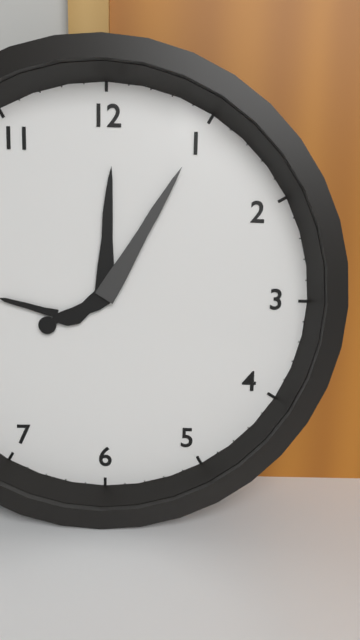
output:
12.05
